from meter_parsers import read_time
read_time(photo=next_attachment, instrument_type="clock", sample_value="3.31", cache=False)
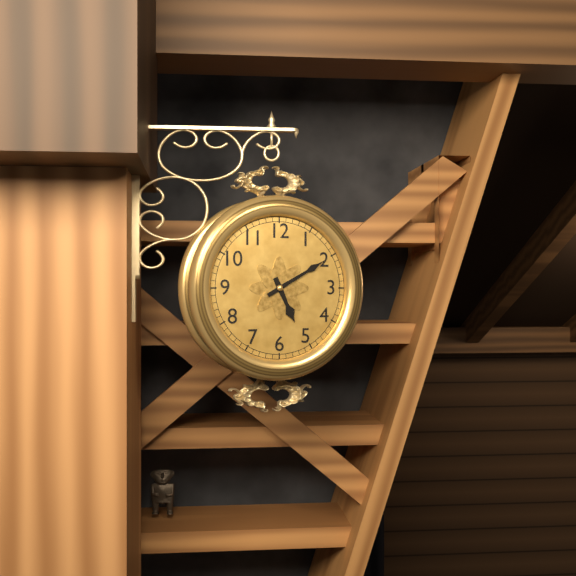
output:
5.10
